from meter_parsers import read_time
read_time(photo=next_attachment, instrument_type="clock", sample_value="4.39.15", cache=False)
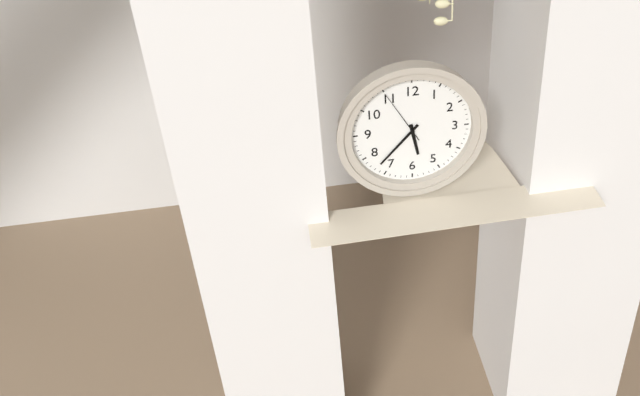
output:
5.37.55
